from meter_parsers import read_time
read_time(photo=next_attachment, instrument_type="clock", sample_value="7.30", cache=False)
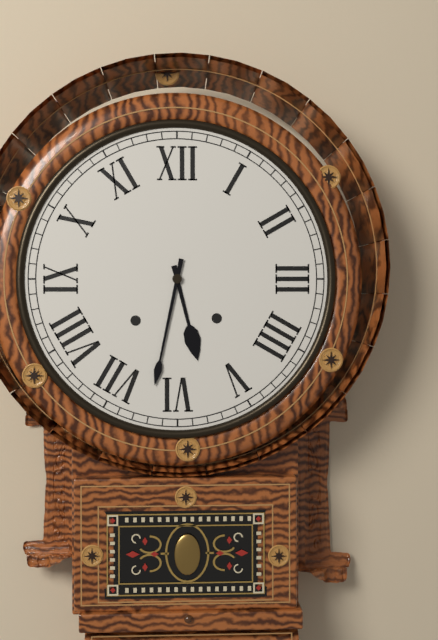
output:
5.32
